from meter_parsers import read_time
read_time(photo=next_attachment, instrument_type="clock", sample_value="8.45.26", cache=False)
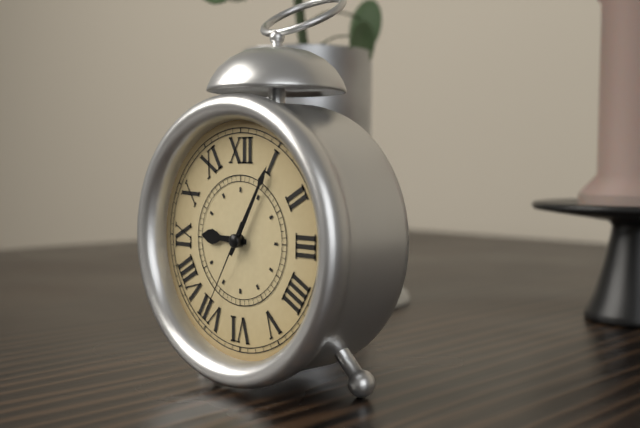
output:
9.05.35
